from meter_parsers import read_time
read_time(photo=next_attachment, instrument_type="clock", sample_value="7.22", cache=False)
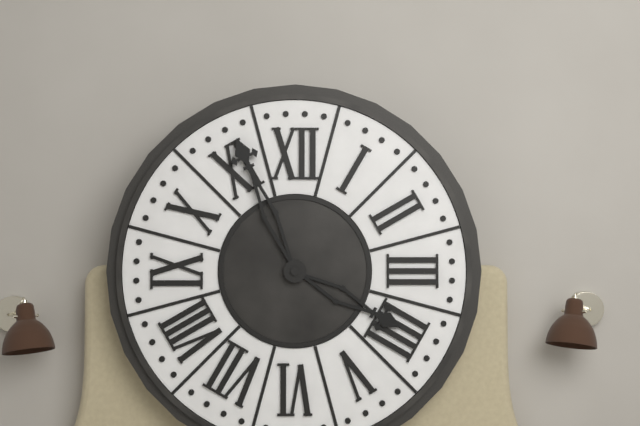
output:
3.56
